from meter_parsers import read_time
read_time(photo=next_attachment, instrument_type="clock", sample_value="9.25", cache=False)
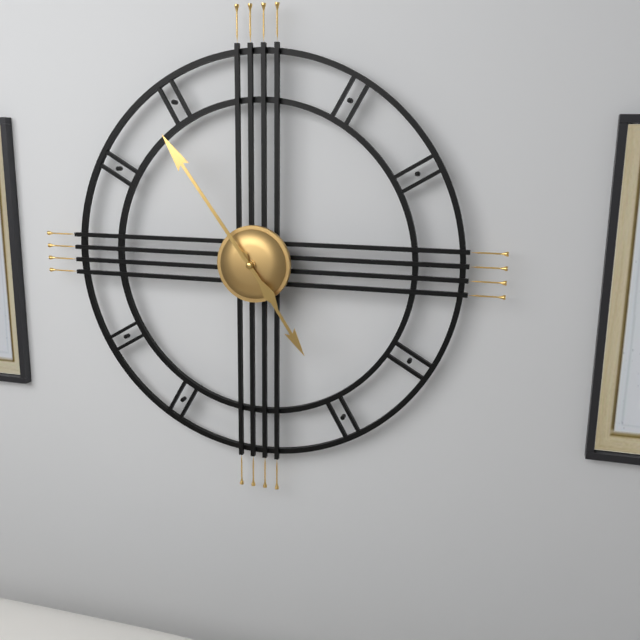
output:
4.54
